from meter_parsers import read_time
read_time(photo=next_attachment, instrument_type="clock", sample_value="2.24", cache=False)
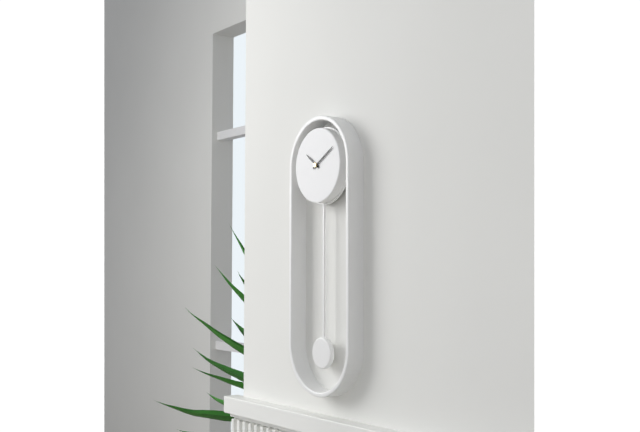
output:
10.10
